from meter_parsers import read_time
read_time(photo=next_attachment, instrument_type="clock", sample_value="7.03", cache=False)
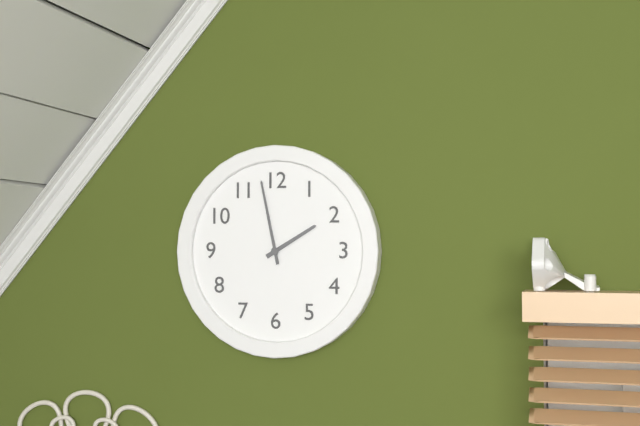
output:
1.58
